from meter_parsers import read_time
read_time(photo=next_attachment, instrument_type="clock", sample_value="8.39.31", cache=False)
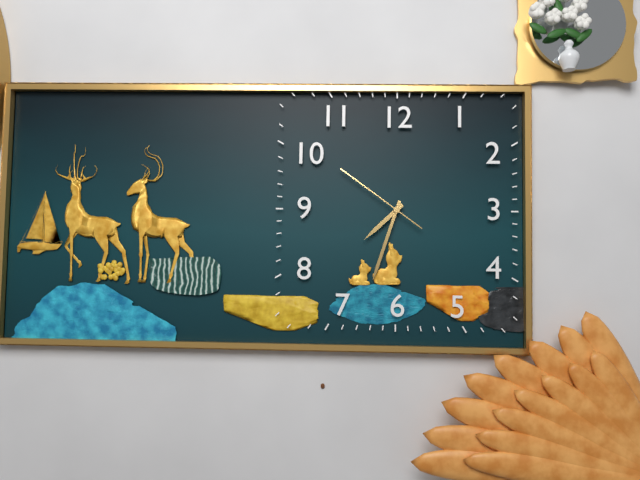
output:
7.33.51
